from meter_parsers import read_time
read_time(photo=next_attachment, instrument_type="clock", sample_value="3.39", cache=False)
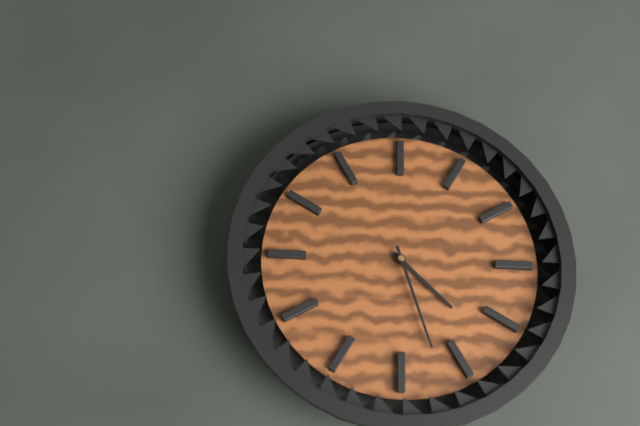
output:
4.27
